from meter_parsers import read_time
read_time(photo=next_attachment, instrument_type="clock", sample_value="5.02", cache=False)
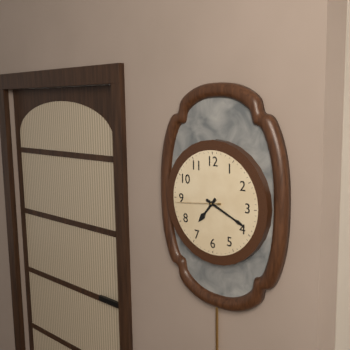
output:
7.19
